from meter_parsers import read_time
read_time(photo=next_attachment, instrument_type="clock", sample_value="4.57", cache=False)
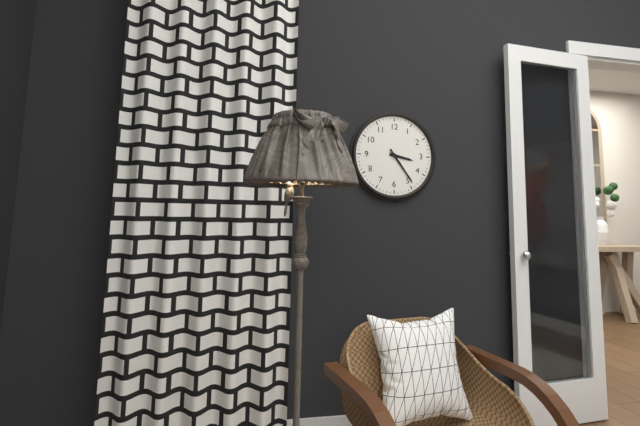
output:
3.24
